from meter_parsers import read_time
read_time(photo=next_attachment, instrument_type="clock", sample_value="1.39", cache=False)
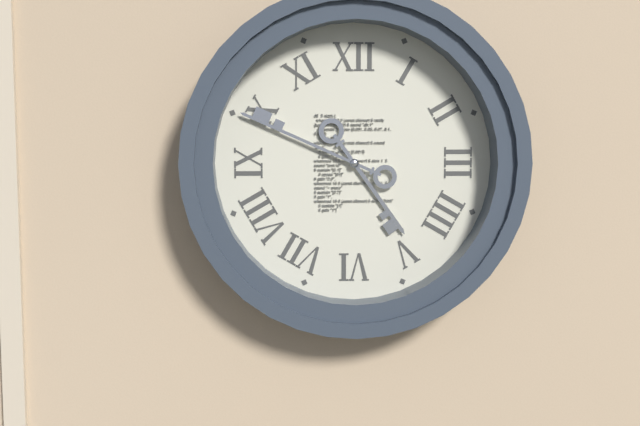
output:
4.49
